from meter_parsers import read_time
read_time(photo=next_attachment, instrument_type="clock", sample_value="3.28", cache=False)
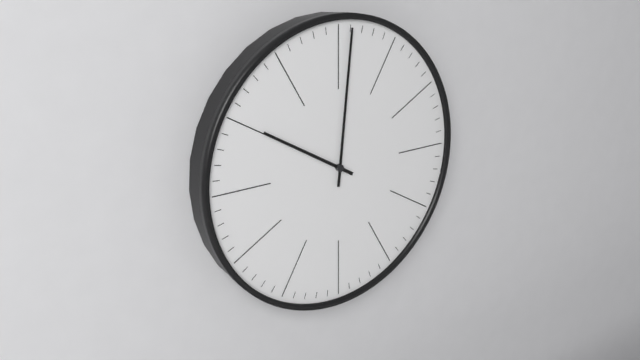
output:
10.01
